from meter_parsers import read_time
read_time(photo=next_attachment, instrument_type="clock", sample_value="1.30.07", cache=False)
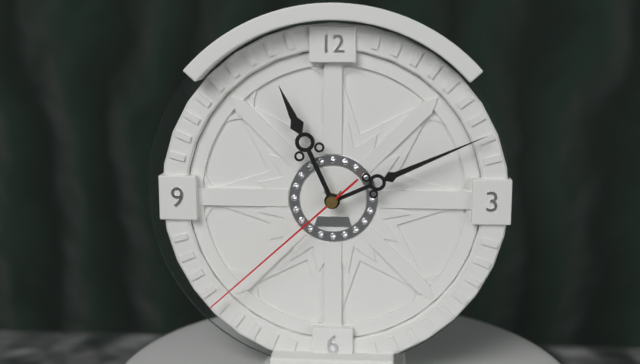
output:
11.11.38
